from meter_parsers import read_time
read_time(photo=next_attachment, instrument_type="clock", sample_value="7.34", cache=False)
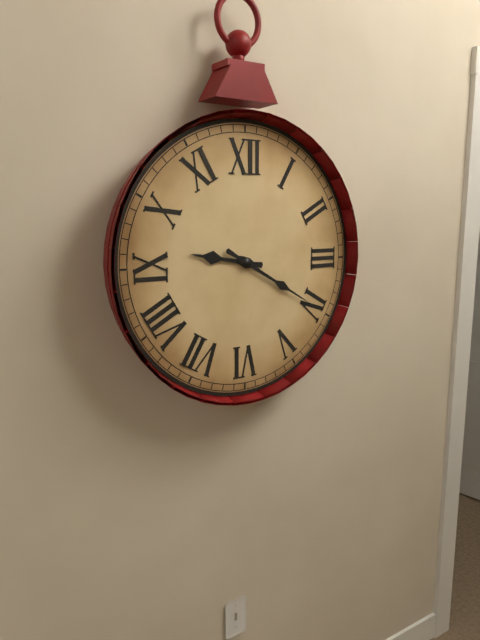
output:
9.20
